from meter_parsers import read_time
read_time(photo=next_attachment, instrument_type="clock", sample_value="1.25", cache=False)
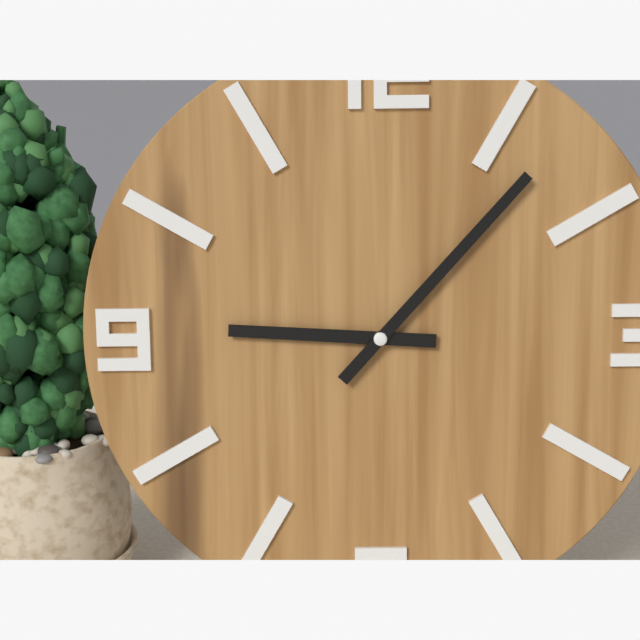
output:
9.07
